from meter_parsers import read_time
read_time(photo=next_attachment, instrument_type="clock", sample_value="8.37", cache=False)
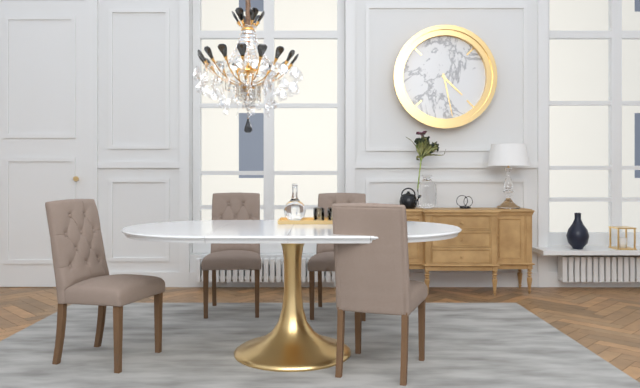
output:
4.28
